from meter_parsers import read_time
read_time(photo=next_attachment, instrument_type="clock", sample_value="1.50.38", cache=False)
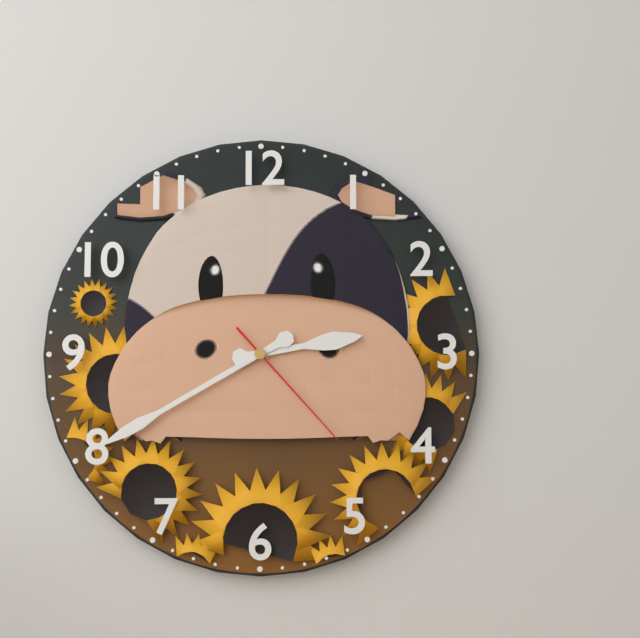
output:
2.40.23
